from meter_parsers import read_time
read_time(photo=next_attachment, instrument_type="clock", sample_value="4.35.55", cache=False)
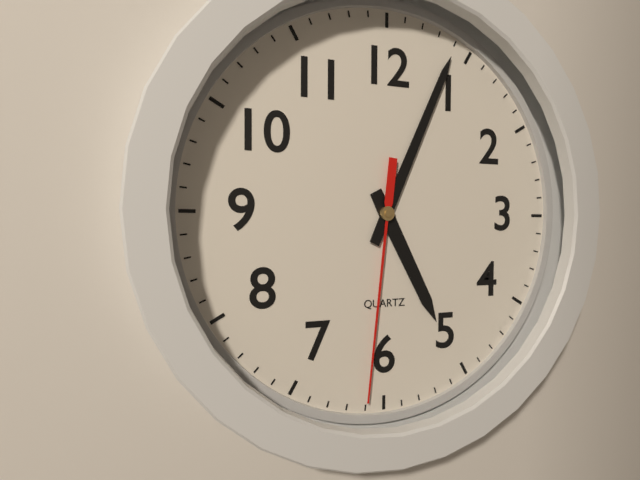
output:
5.04.31
